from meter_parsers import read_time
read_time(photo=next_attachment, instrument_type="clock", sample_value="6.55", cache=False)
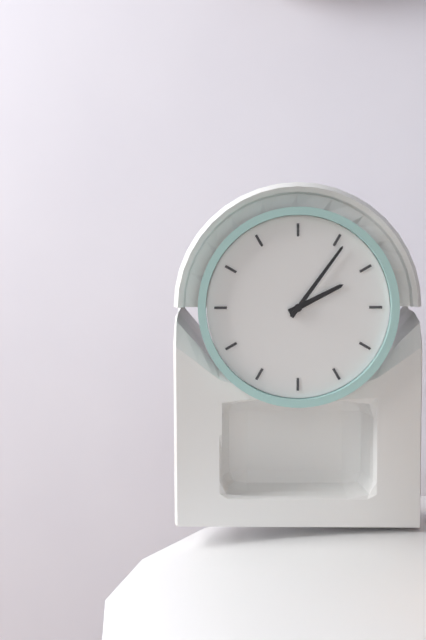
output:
2.06
